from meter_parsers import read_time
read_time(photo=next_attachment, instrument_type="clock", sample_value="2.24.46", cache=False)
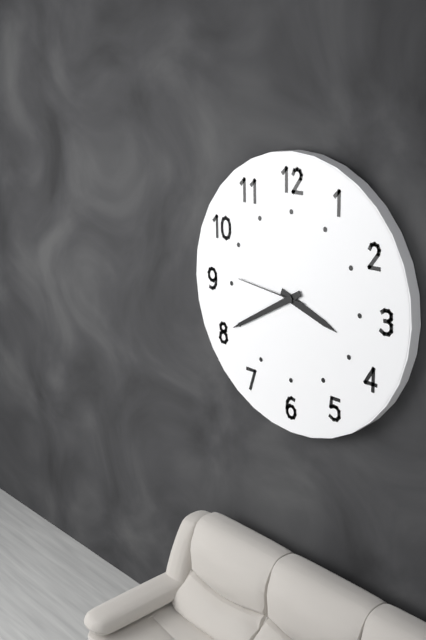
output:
3.40.46
